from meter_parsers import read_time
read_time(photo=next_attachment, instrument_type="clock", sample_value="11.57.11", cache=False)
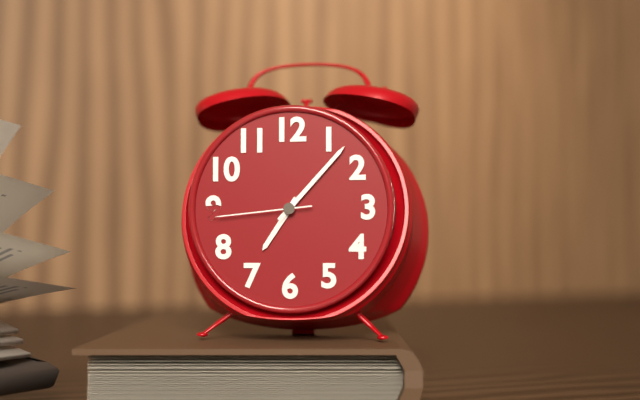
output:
7.07.44
